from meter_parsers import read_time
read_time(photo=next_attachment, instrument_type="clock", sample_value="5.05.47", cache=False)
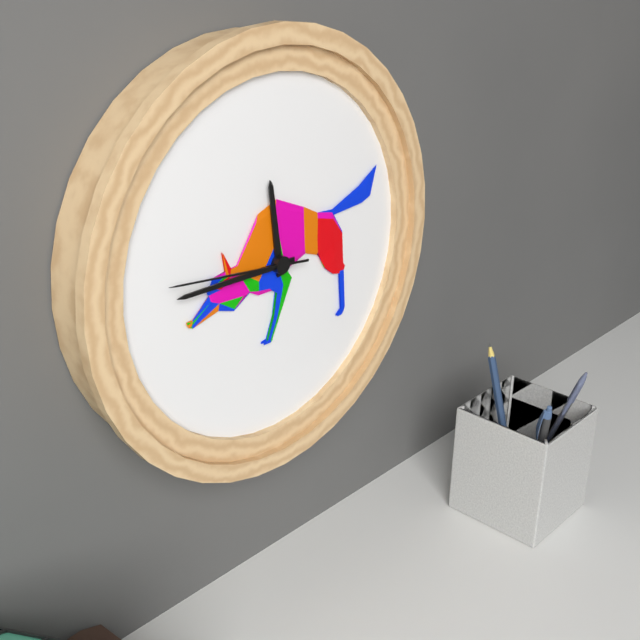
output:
11.45.46
